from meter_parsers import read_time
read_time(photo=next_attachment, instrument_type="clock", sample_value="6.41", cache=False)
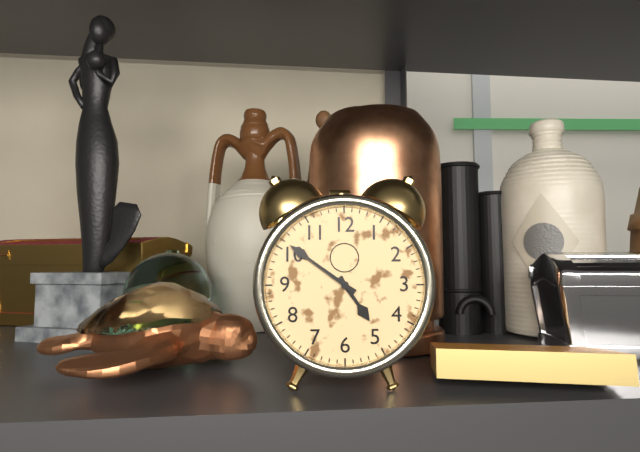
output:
4.51
